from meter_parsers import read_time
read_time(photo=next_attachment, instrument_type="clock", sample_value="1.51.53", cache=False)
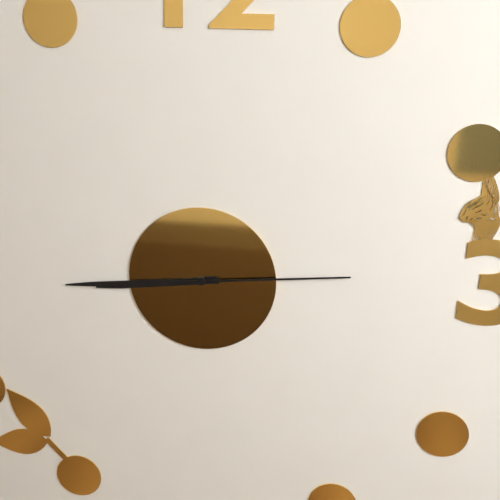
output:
8.44.14
